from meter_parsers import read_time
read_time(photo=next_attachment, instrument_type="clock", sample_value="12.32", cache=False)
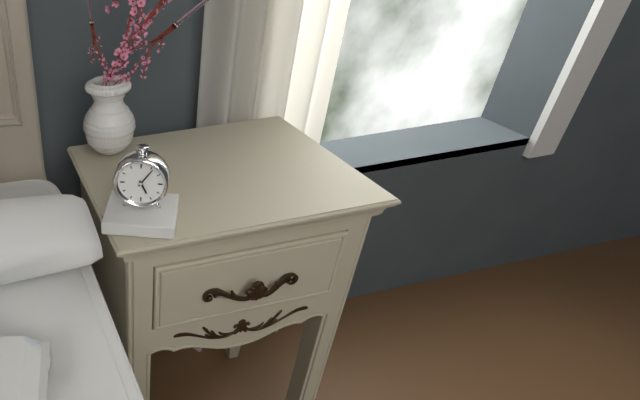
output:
5.06
